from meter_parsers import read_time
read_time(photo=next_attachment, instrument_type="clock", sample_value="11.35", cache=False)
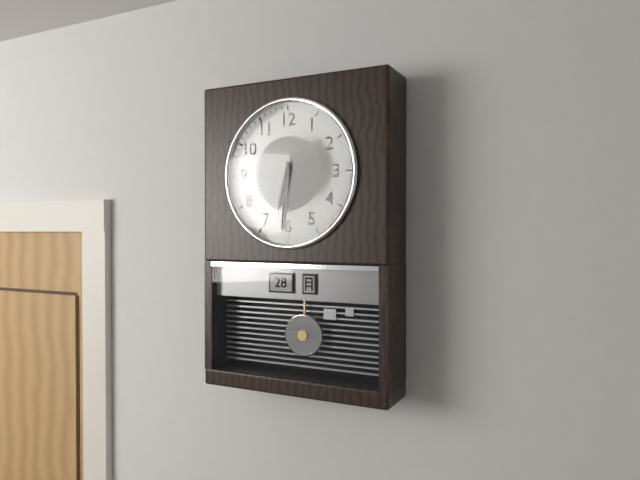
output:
6.31
